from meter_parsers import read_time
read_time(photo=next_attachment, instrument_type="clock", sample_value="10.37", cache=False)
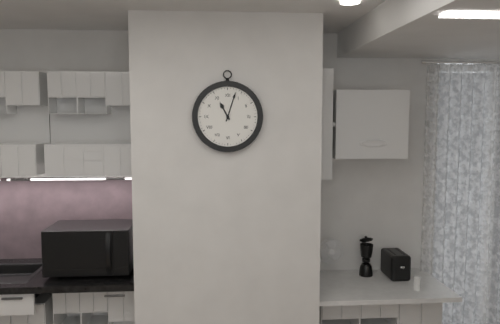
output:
11.03
